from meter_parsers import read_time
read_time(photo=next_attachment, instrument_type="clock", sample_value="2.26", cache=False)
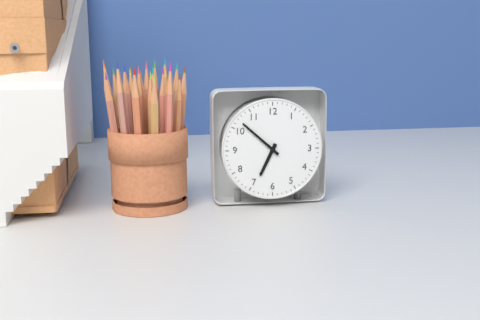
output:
6.52
